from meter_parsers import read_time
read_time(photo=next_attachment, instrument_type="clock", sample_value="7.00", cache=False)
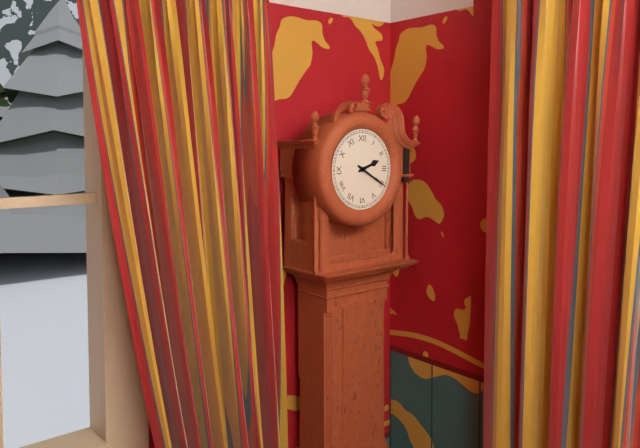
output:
2.20
